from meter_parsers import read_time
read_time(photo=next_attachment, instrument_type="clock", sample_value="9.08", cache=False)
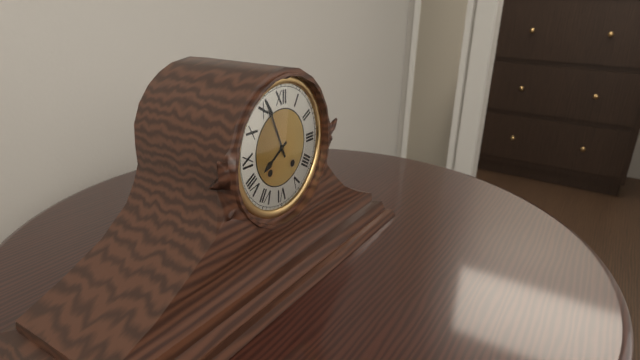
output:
7.56
